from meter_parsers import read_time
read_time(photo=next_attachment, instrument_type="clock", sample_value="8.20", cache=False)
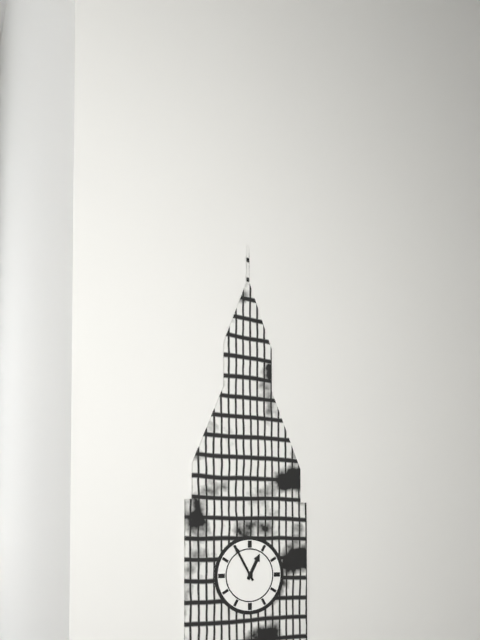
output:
12.55
